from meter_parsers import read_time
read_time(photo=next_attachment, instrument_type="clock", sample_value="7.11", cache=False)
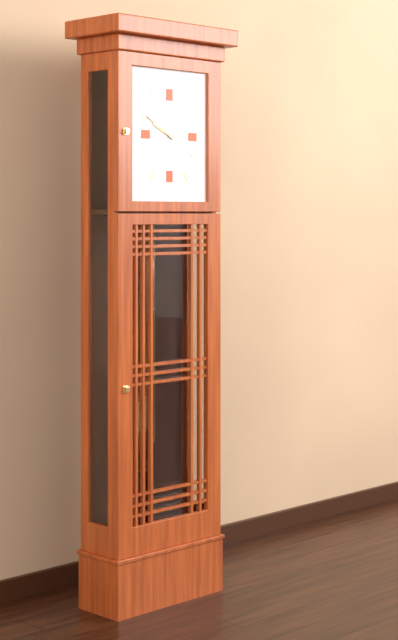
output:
9.50
